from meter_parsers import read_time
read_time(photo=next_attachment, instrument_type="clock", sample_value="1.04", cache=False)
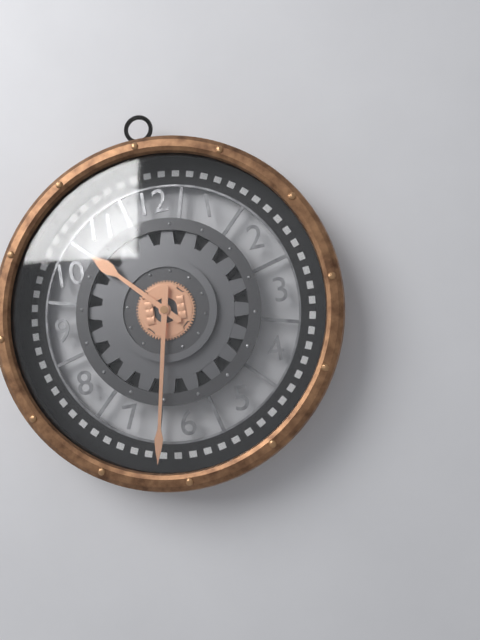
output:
10.32
